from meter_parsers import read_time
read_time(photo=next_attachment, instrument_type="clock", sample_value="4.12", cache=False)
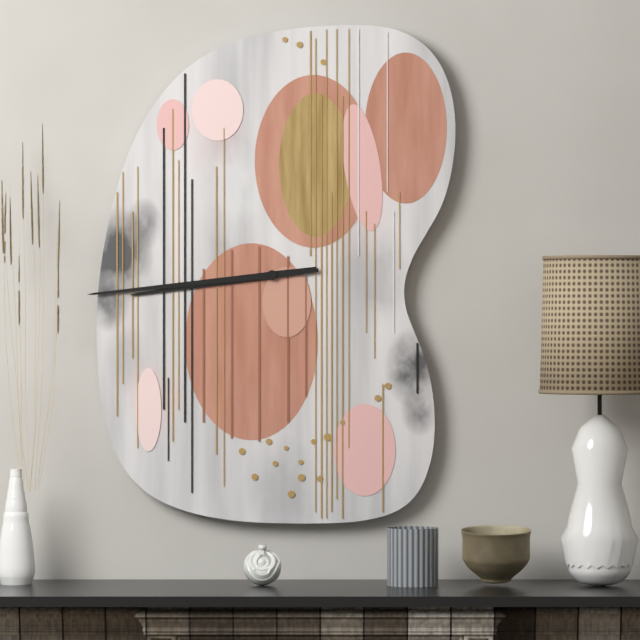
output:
8.44
